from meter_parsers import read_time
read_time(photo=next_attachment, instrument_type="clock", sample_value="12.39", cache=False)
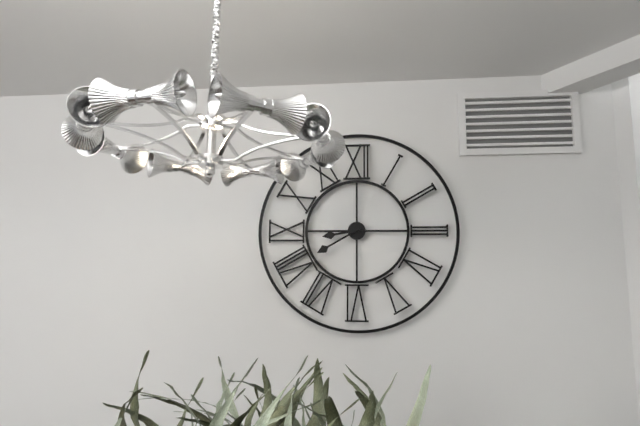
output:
8.40
